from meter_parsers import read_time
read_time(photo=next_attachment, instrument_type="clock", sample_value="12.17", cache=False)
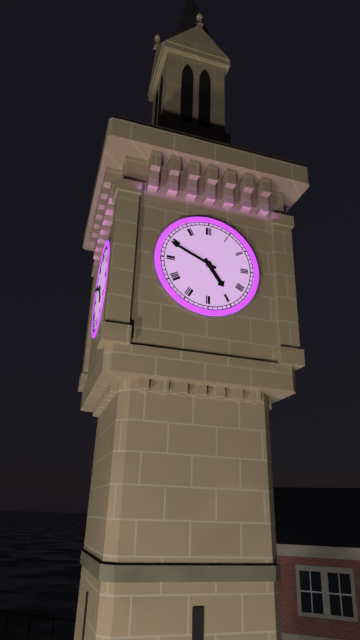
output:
4.49
